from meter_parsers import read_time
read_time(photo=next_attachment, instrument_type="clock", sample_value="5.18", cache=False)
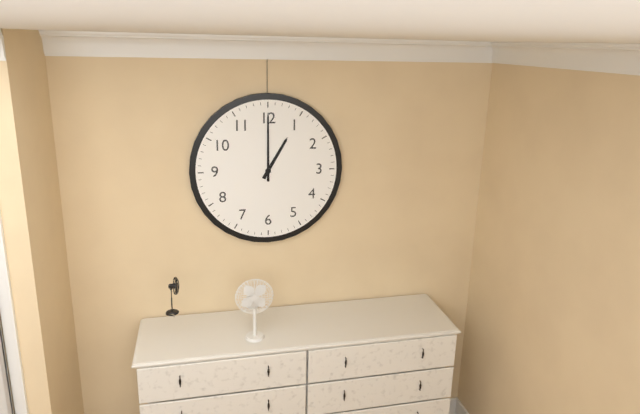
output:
1.00
